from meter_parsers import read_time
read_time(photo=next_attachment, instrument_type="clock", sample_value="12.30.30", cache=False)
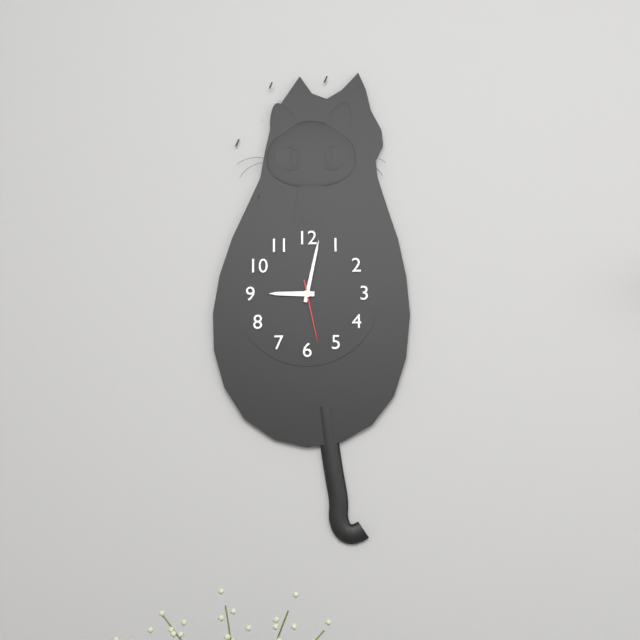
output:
9.02.28
